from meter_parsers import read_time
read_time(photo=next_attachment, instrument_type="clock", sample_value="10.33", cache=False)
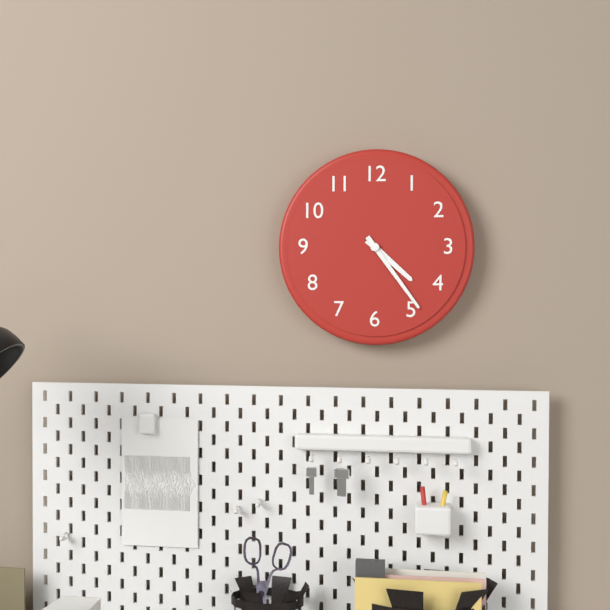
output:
4.24
